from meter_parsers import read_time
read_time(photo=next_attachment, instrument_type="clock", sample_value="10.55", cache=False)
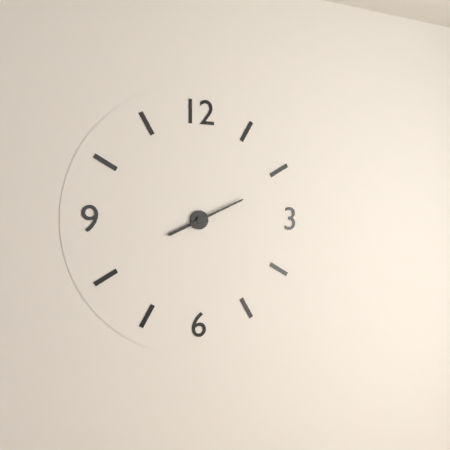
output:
8.11
